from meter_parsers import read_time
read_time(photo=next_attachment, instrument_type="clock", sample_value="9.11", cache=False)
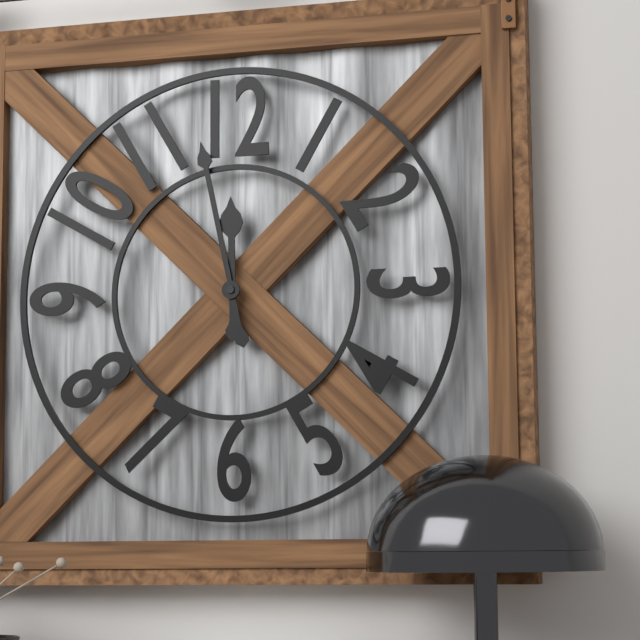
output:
11.58
